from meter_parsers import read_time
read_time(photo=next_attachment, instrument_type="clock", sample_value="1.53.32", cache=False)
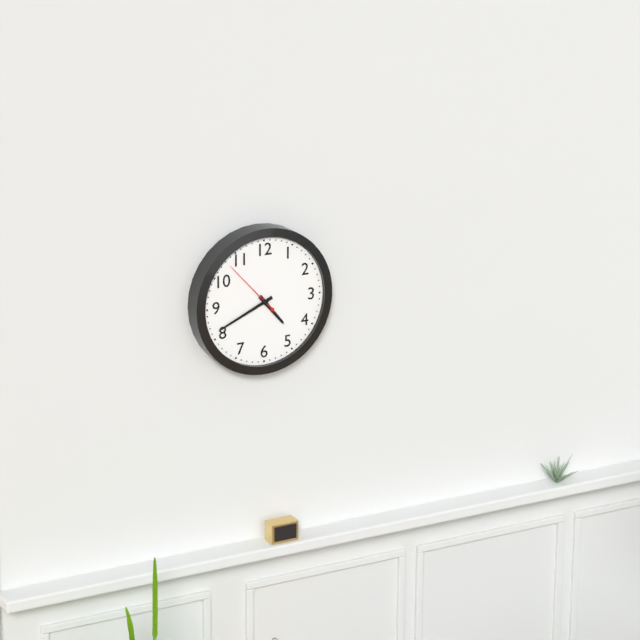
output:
4.41.53
